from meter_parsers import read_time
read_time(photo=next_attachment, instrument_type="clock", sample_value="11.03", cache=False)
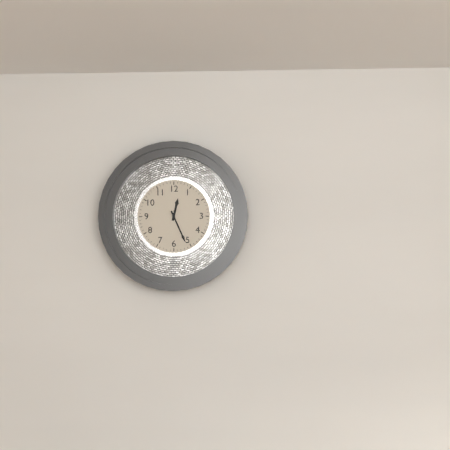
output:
12.26
